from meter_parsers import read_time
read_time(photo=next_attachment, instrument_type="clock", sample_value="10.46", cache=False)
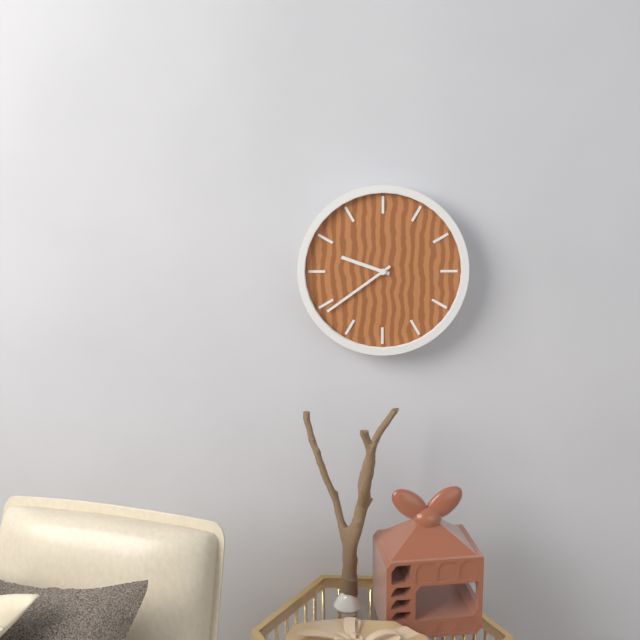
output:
9.39
